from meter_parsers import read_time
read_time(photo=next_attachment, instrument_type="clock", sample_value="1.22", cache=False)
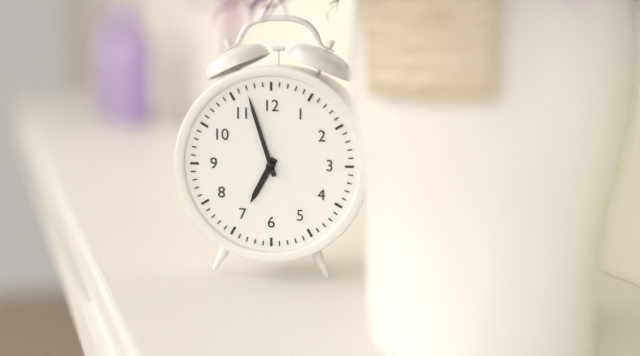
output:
6.57
